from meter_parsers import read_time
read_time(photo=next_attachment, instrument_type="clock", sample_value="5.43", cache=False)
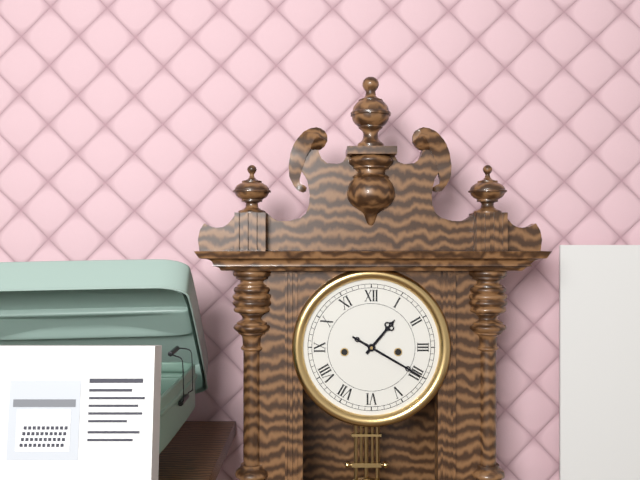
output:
1.20
